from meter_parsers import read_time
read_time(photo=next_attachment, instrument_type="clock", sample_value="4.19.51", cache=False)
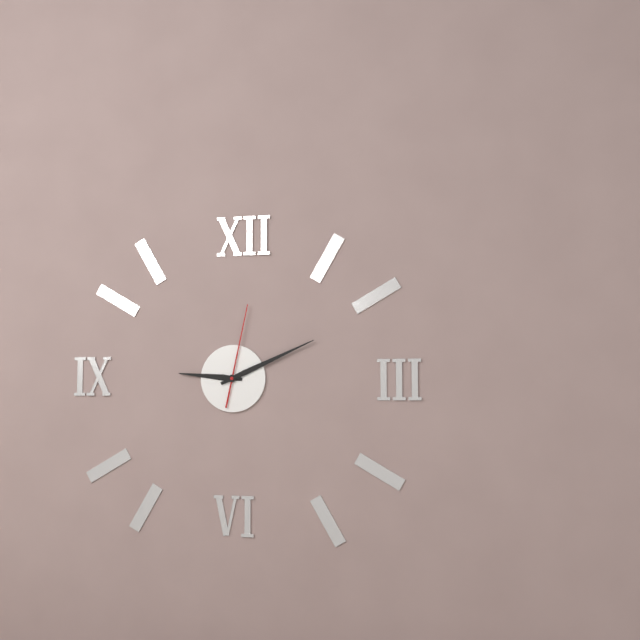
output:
9.11.02
